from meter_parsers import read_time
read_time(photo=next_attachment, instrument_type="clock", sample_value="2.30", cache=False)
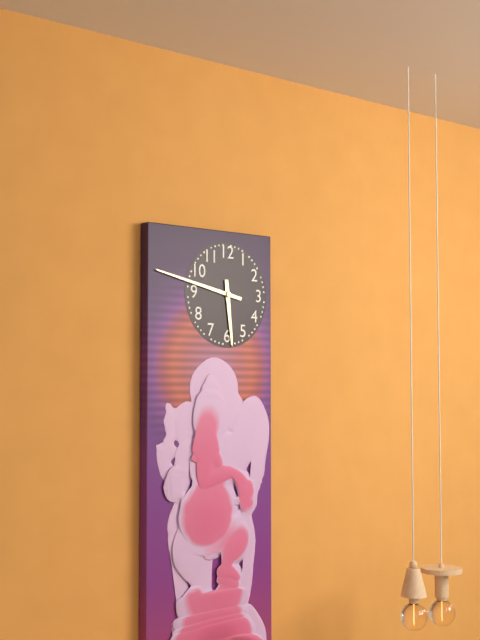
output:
5.47
